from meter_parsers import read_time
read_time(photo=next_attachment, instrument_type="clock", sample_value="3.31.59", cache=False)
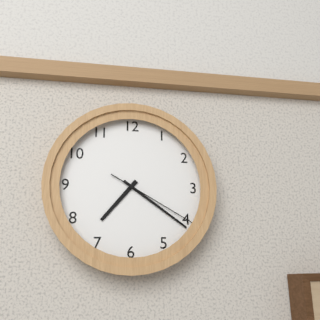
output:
7.21.20
